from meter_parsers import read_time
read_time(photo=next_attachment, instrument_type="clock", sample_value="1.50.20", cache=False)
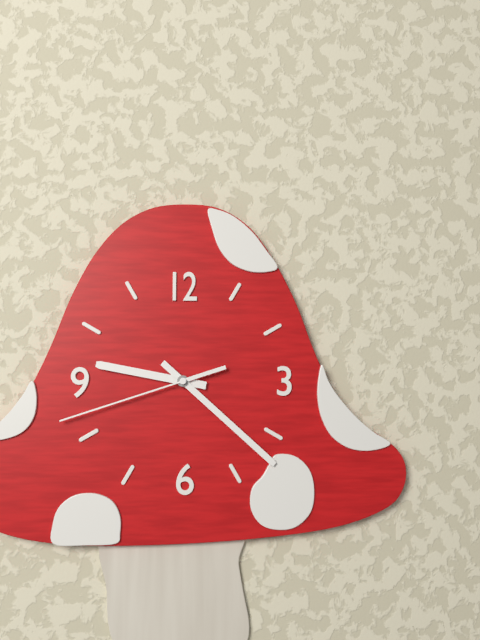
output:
9.22.42
